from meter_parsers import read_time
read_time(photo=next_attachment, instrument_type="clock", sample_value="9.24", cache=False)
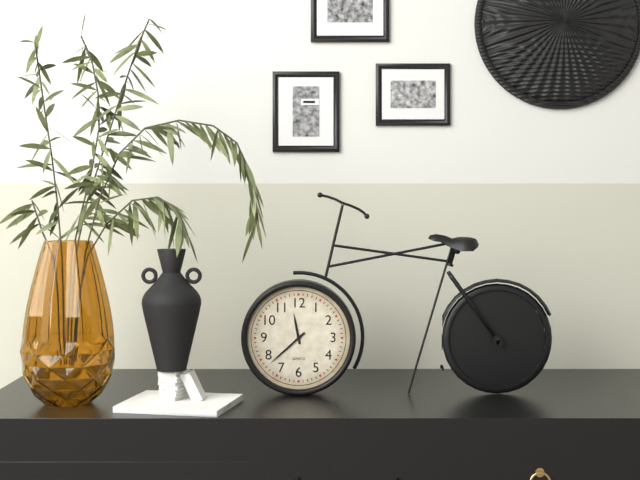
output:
11.38
